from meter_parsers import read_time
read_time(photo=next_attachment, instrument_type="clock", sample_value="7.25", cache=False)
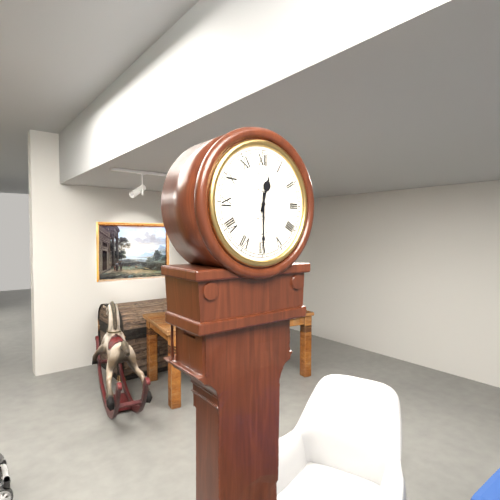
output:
12.30
